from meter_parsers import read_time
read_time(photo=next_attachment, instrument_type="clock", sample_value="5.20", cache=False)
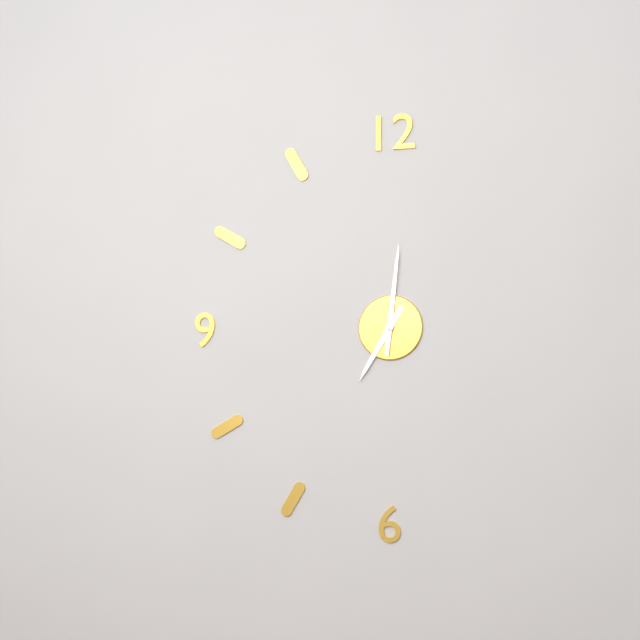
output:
7.01
